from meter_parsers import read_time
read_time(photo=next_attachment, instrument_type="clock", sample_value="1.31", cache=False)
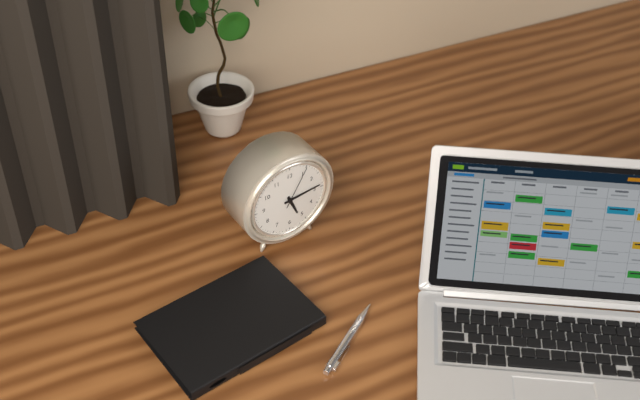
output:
5.14
